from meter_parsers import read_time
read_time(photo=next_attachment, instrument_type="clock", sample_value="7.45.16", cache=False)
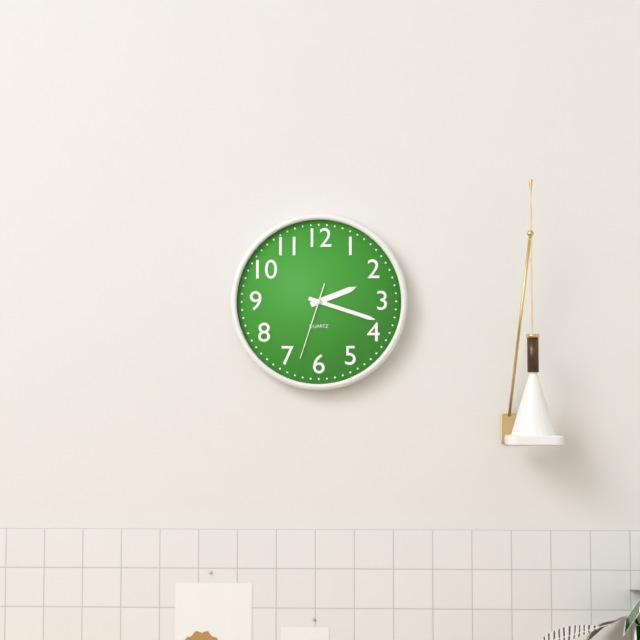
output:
2.18.33
